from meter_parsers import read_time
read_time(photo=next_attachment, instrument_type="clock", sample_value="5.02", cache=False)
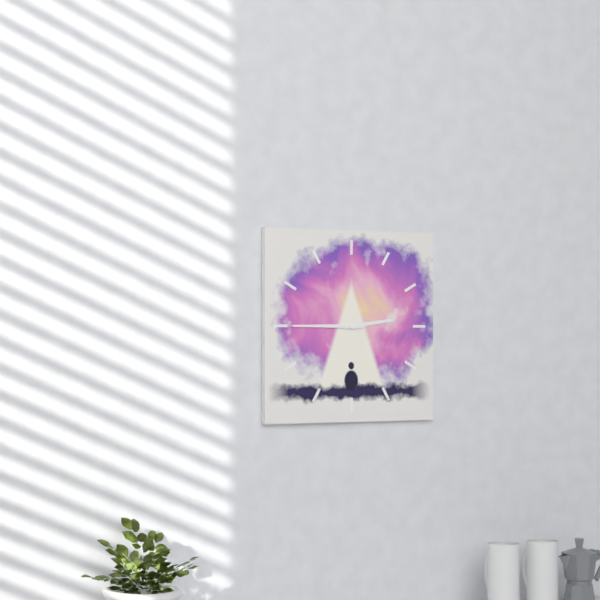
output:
2.45
